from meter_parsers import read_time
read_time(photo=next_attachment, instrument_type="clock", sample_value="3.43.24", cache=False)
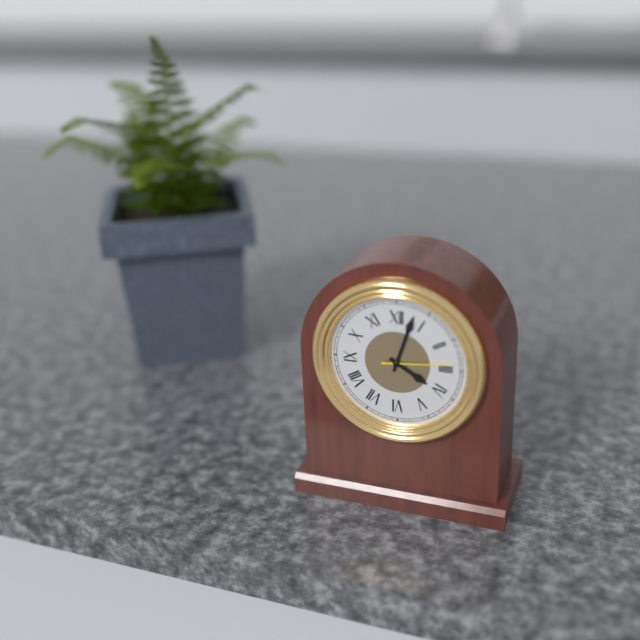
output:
4.03.14
